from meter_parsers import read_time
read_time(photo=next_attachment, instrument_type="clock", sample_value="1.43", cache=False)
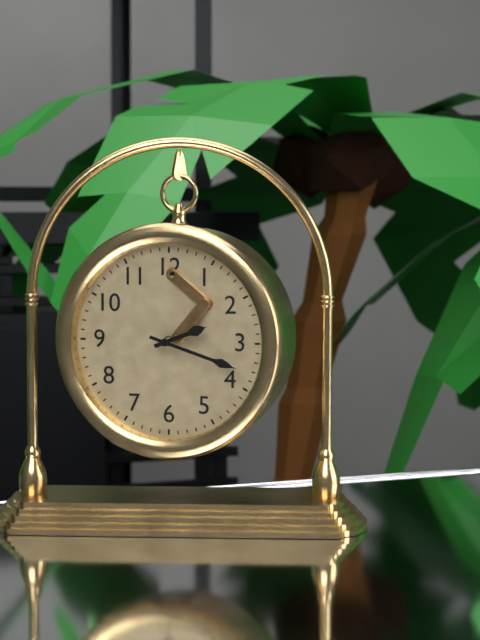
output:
2.18
